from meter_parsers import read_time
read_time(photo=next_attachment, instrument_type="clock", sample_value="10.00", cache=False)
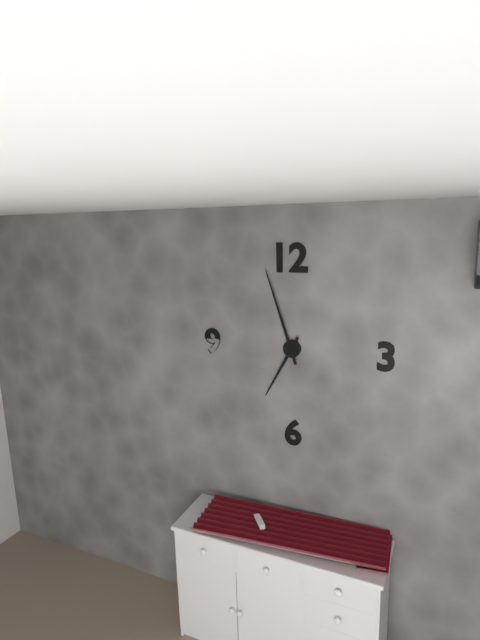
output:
6.57
